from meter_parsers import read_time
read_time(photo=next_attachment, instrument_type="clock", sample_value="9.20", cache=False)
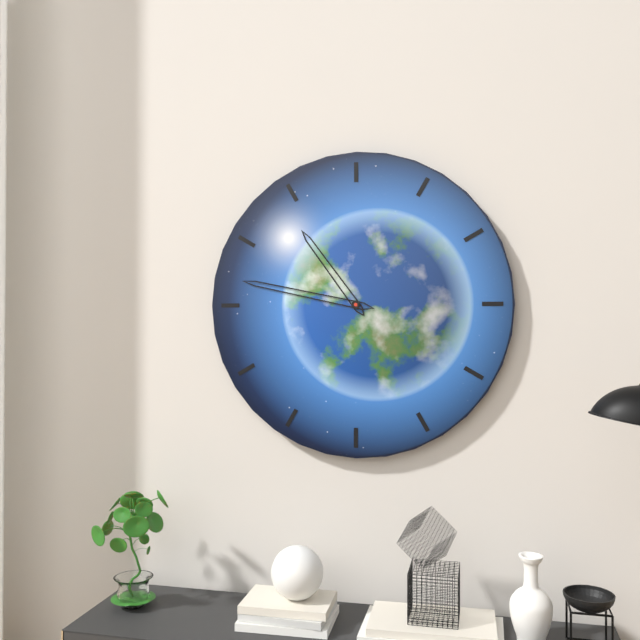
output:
10.47
